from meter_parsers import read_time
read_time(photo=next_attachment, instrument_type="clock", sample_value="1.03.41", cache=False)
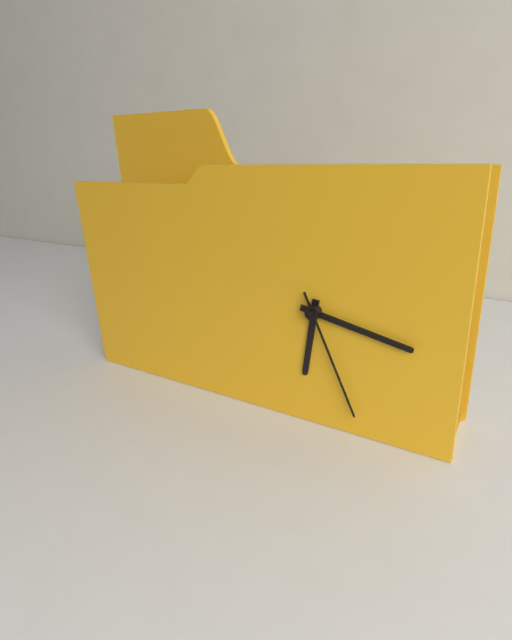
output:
6.17.26
